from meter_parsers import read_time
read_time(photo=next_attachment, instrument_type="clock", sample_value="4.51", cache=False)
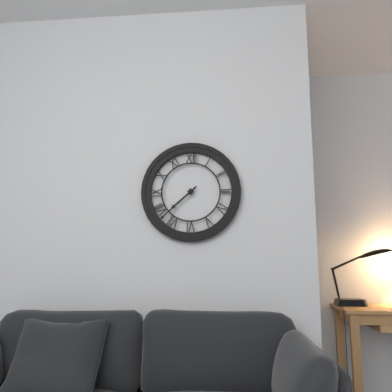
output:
7.38
